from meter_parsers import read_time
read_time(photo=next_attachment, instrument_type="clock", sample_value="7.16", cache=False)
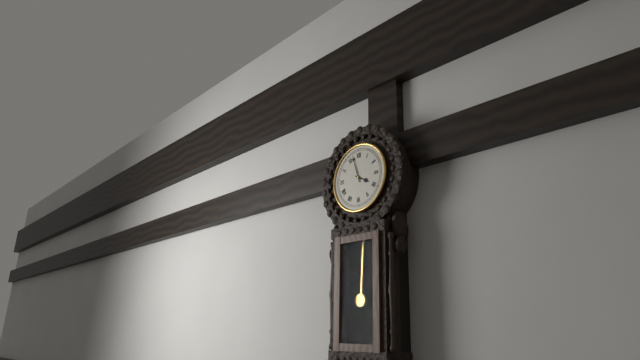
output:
3.57
